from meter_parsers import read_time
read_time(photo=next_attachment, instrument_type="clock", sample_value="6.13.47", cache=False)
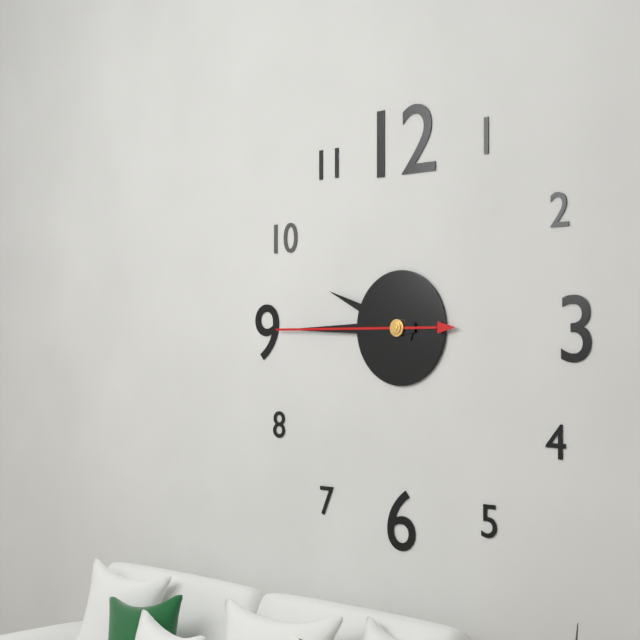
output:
9.45.45
